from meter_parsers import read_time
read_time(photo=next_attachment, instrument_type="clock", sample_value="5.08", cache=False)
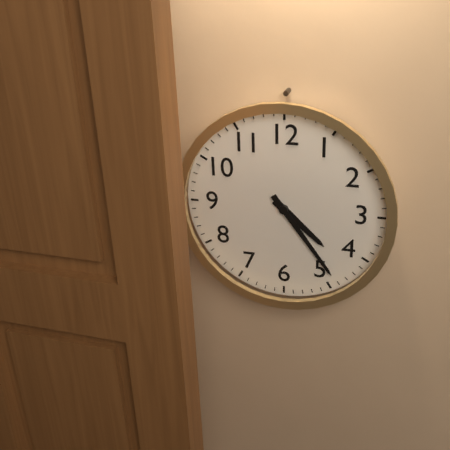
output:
4.24
